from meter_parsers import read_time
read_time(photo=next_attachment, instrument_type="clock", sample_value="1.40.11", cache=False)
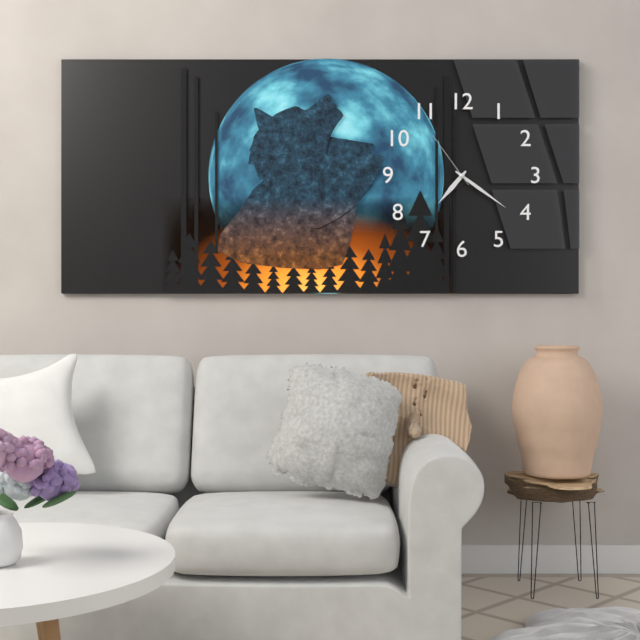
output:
7.21.54
